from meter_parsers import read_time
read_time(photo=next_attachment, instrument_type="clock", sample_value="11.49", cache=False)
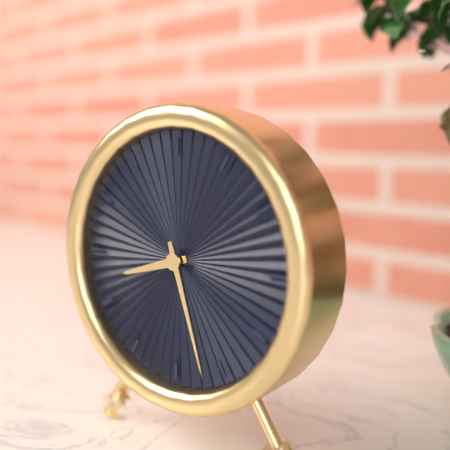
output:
8.27
